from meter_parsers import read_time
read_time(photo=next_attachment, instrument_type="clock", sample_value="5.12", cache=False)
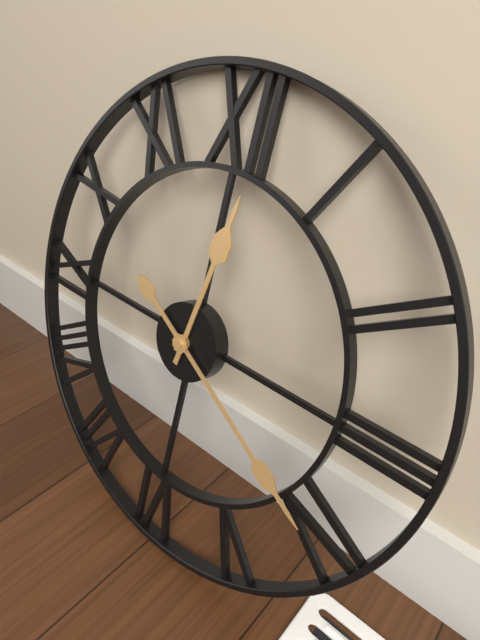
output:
12.20
